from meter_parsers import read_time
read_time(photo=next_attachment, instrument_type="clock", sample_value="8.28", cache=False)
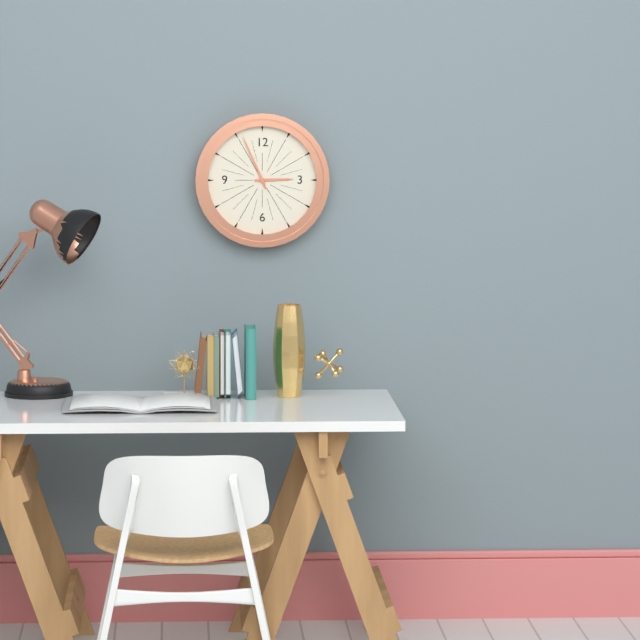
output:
2.56
